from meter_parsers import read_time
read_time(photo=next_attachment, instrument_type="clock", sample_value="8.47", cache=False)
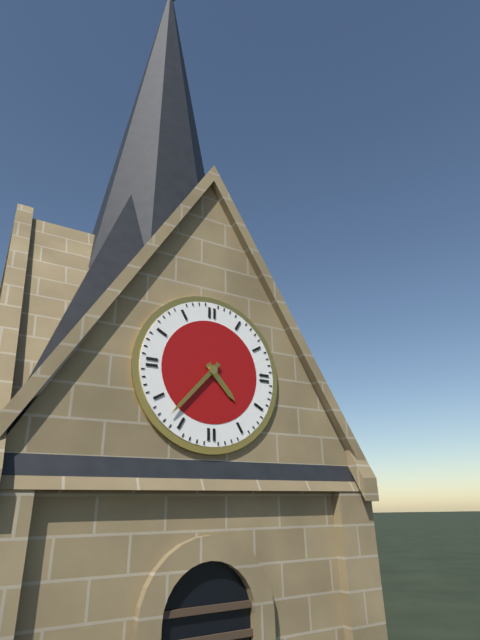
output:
4.37
